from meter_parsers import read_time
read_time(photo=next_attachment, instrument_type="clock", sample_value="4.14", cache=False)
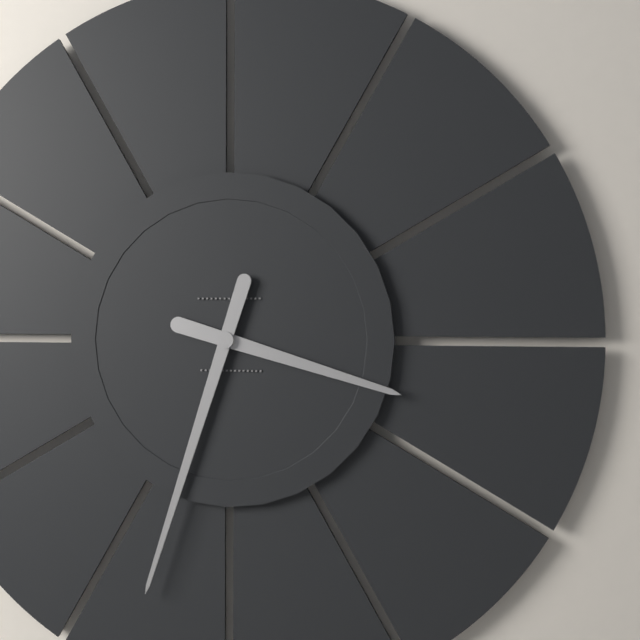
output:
3.33
